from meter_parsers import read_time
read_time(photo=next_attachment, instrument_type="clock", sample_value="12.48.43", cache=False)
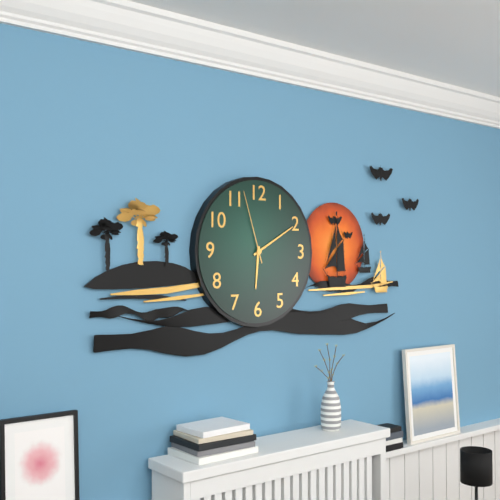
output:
6.10.57
